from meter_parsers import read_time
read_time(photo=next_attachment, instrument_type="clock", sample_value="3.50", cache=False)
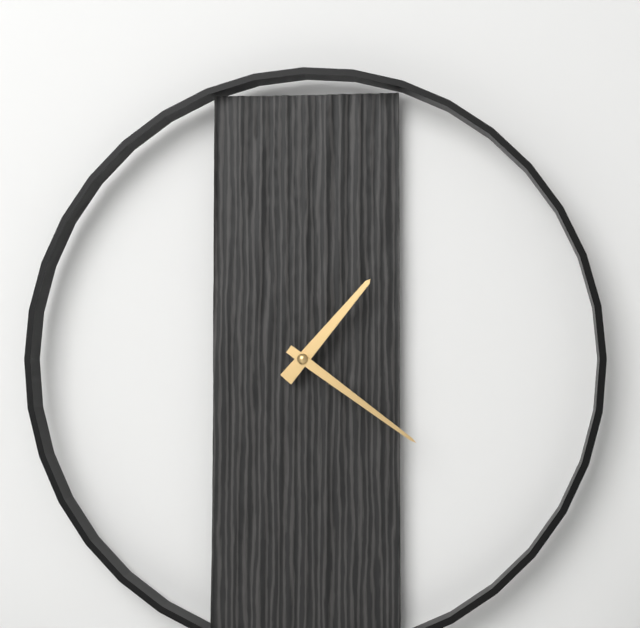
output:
1.21
